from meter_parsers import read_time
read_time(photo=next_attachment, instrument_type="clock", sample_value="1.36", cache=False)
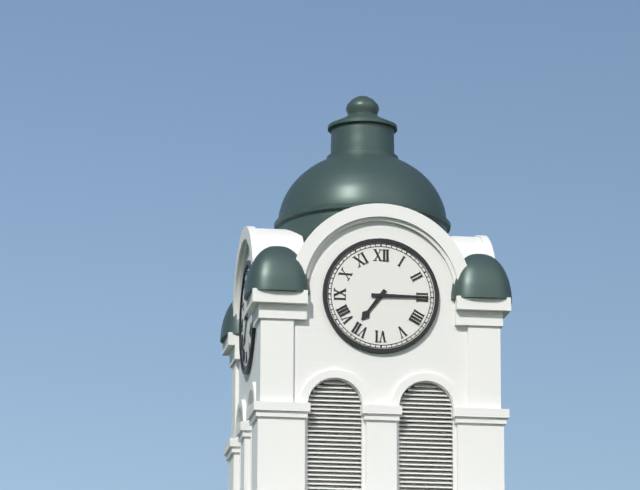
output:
7.15
